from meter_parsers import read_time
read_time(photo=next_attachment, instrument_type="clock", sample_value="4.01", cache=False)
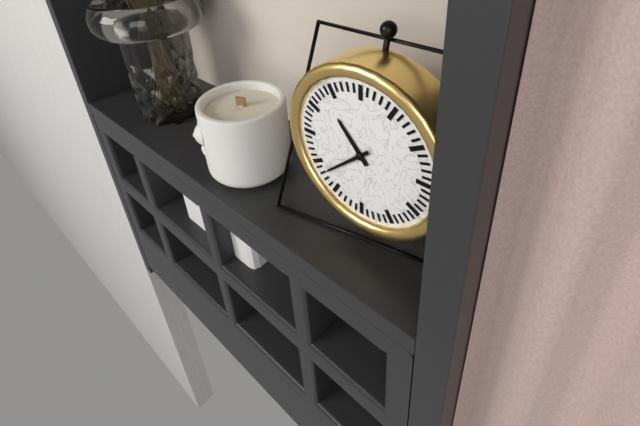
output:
10.38
